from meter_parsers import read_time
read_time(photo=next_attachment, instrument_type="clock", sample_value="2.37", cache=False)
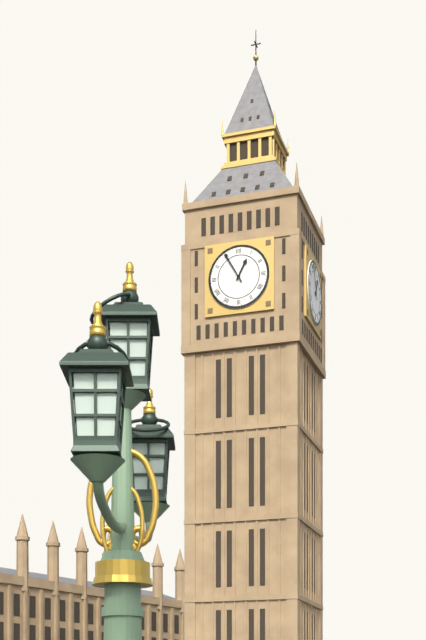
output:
12.55
